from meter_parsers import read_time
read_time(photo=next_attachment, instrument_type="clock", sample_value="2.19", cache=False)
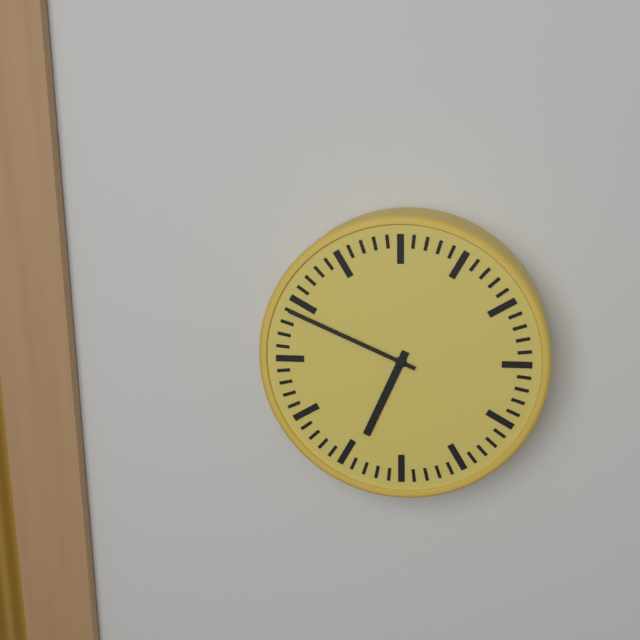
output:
6.49
